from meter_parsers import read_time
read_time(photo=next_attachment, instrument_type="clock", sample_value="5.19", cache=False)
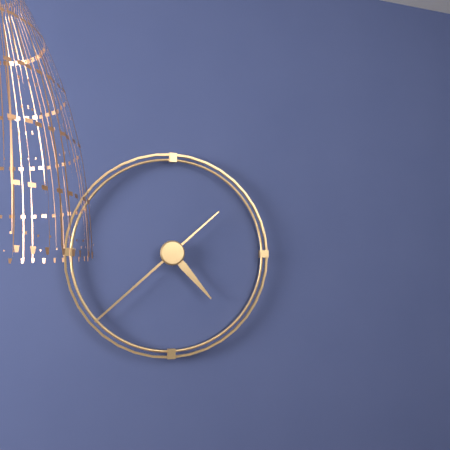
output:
4.38
